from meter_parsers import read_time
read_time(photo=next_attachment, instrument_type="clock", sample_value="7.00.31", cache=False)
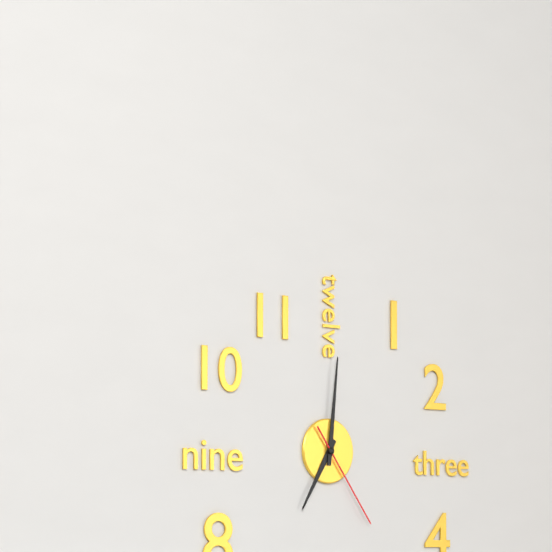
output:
7.01.24
